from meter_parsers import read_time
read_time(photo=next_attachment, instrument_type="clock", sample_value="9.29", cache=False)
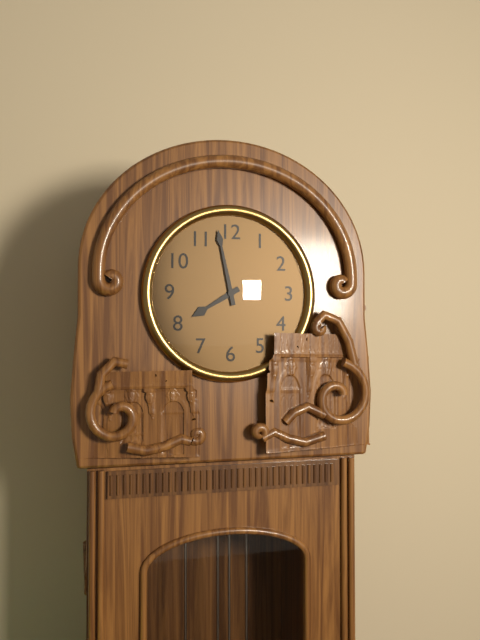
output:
7.58
